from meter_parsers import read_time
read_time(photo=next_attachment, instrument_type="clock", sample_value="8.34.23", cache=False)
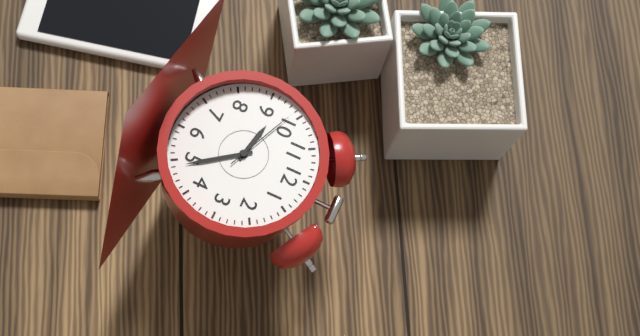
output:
9.24.49
